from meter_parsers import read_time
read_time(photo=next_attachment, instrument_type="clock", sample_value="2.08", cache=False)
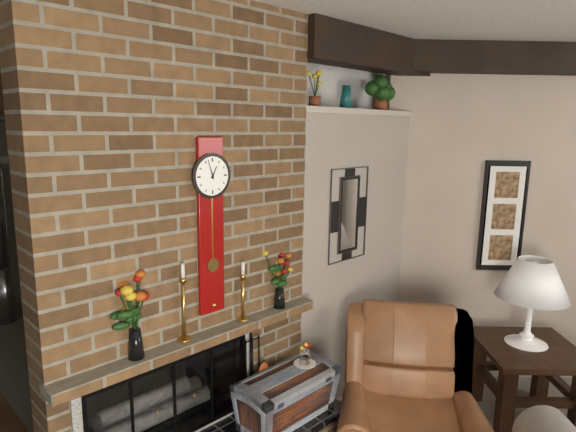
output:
12.57
